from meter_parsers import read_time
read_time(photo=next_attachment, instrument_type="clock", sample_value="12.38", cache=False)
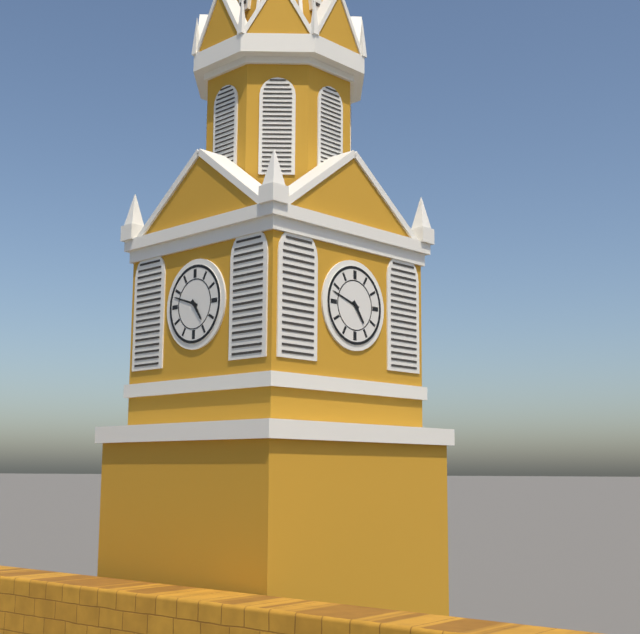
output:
4.48
